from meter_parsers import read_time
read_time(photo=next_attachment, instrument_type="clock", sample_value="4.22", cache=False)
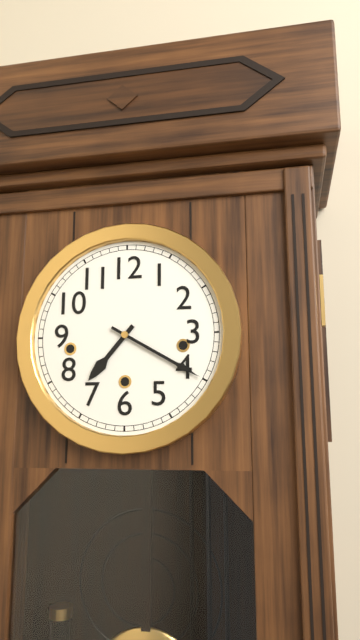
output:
7.20
